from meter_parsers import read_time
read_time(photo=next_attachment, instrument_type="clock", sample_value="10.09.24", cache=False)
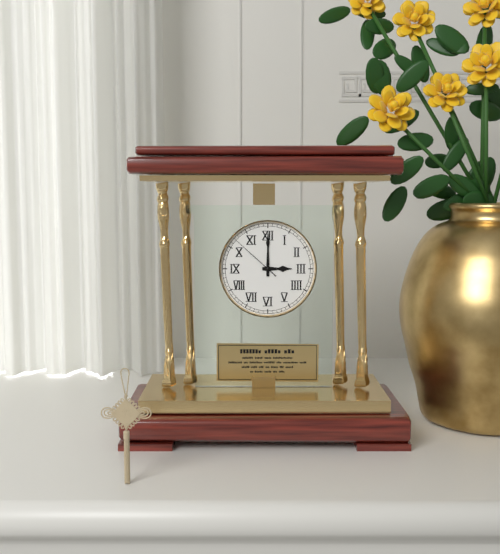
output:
3.00.52
